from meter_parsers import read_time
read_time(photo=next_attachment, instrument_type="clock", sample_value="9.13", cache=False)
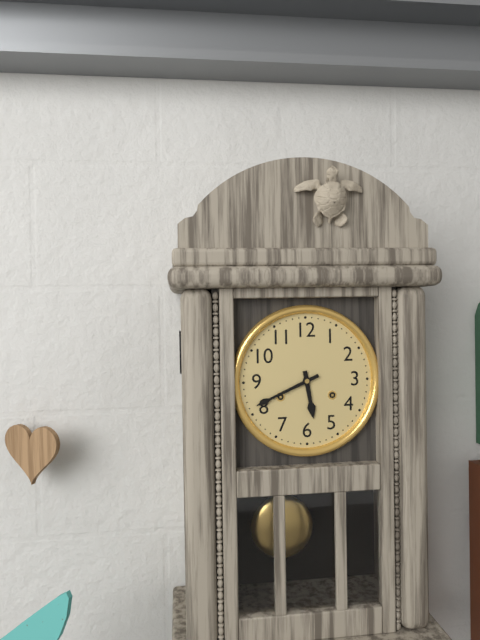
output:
5.41
